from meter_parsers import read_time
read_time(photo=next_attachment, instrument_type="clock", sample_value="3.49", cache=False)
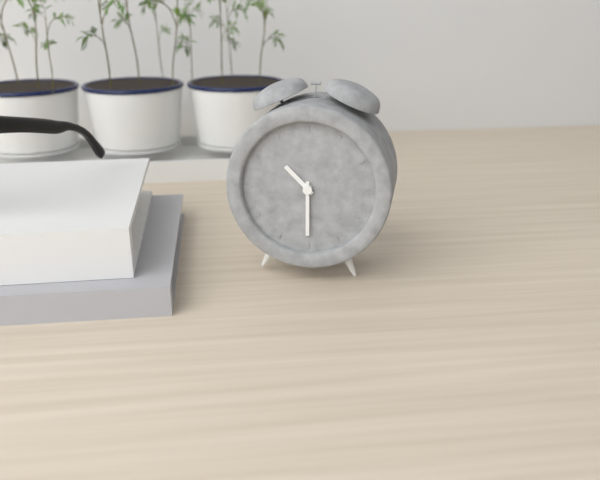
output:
10.30
